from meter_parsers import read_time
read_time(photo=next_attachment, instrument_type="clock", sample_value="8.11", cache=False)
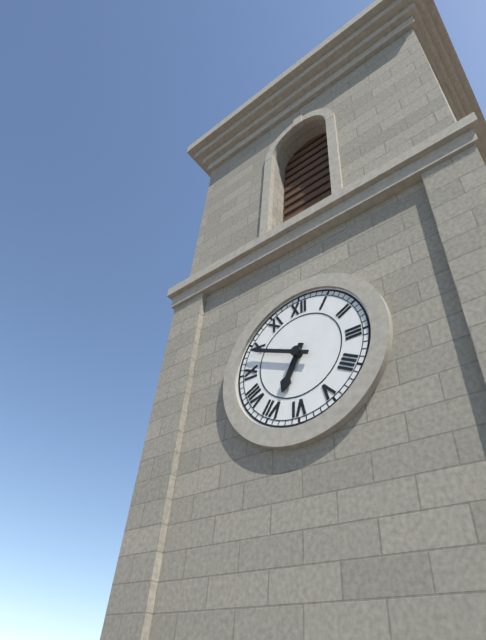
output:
6.49
